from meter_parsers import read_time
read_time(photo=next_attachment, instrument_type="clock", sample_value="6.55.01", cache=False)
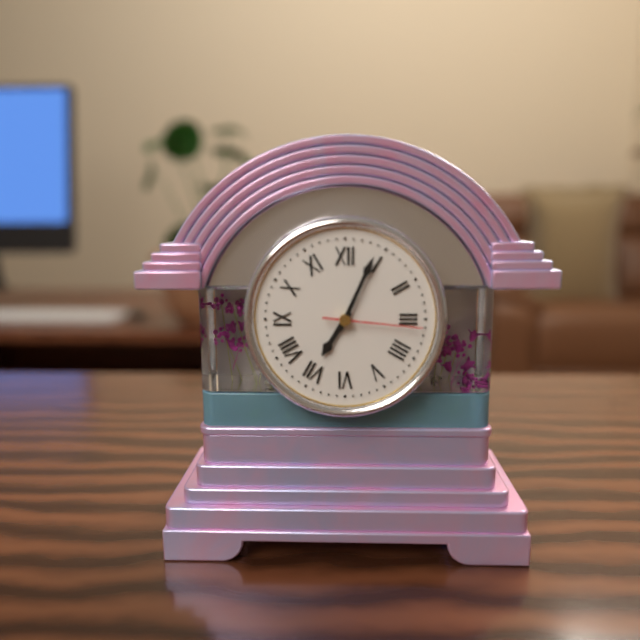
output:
7.04.16
